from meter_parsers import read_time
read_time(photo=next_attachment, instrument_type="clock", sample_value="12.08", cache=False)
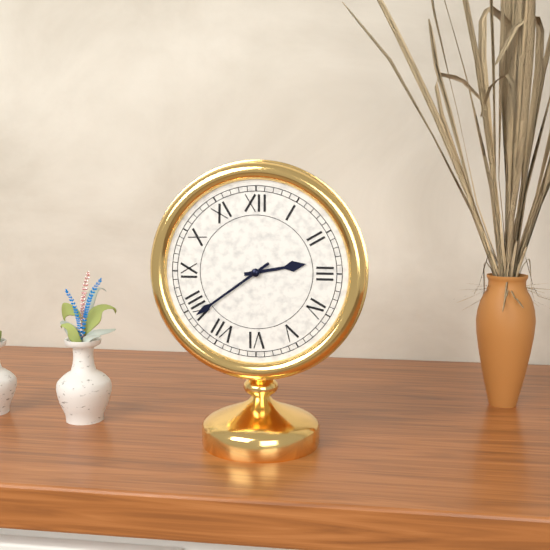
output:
2.39
